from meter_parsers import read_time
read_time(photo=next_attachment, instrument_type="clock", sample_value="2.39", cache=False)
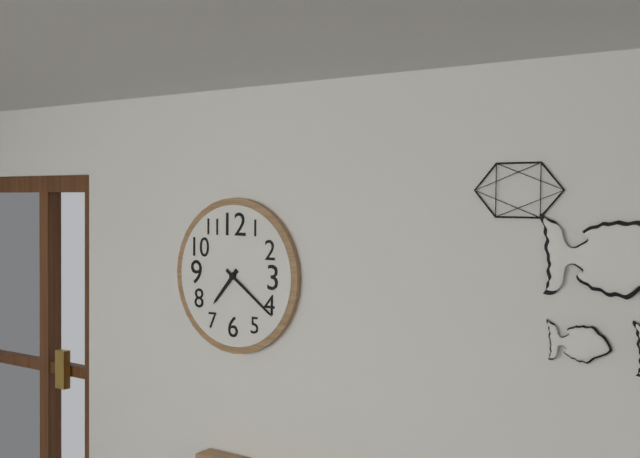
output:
7.21
